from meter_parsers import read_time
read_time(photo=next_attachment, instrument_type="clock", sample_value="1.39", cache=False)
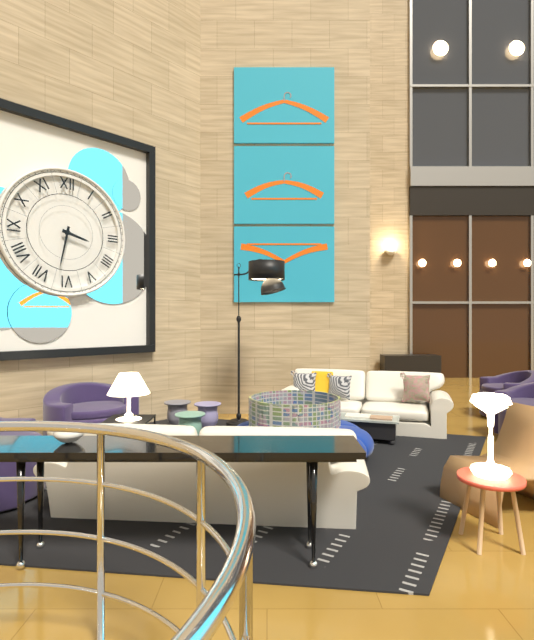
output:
3.32
